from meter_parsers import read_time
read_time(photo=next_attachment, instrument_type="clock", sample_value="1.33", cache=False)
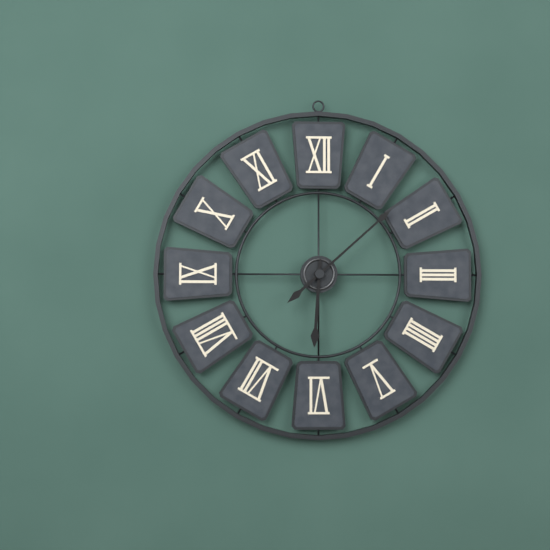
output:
6.08
